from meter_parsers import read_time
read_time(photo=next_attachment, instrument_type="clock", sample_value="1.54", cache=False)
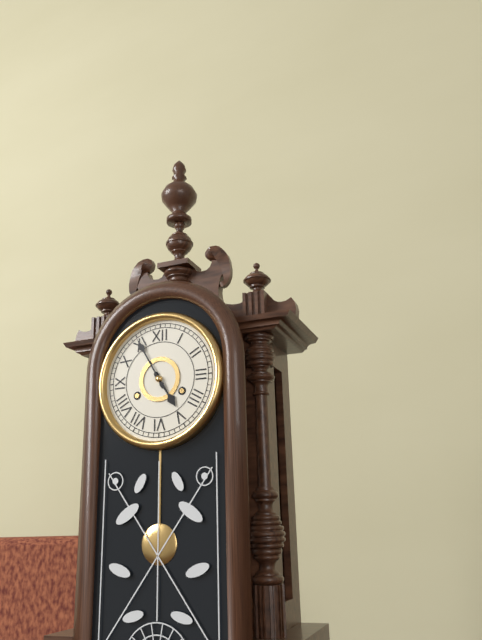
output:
4.55
